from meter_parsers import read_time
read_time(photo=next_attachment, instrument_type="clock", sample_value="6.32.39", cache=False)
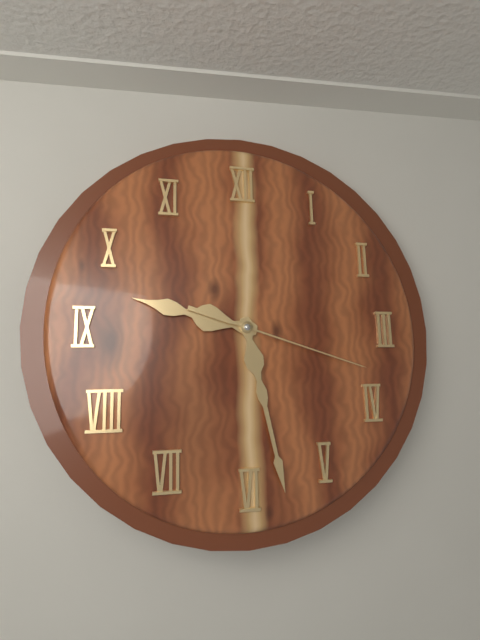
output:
9.28.18
